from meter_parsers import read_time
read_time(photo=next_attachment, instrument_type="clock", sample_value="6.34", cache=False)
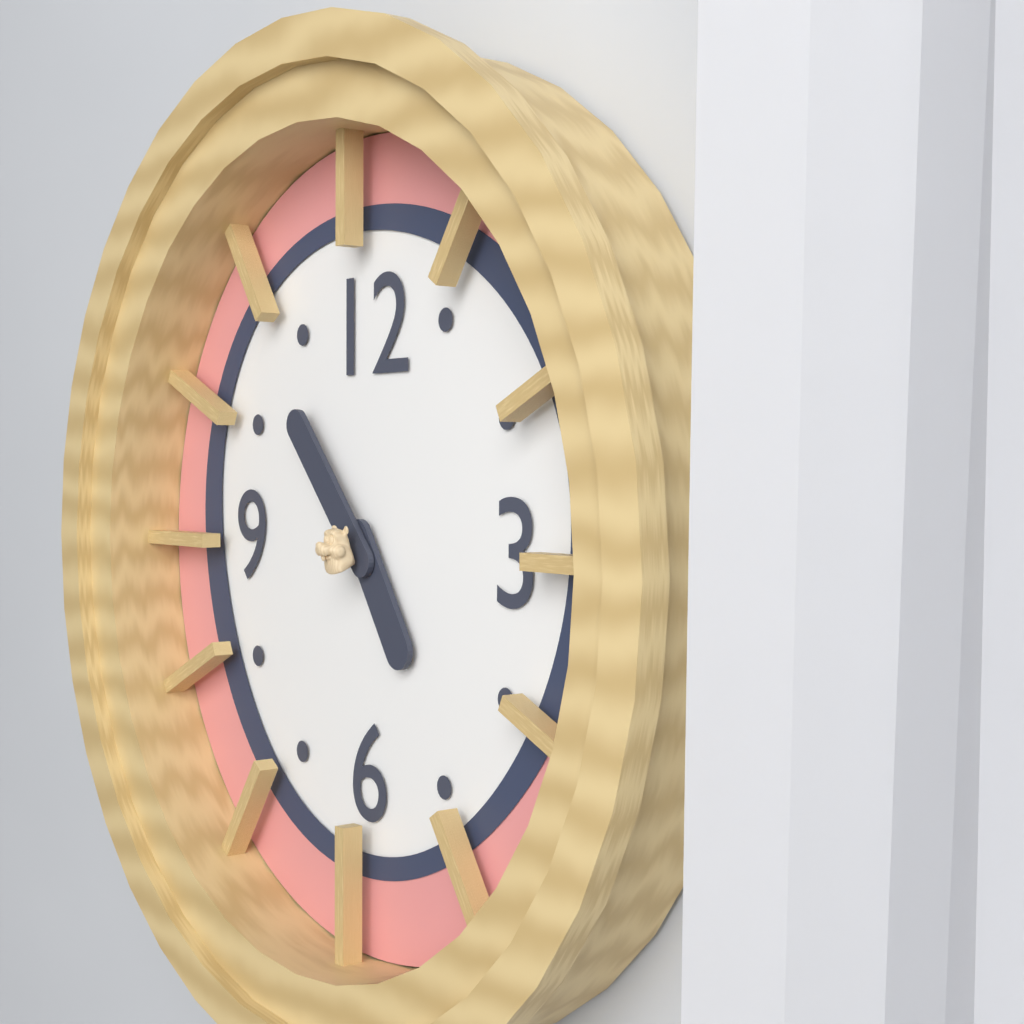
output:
4.53
